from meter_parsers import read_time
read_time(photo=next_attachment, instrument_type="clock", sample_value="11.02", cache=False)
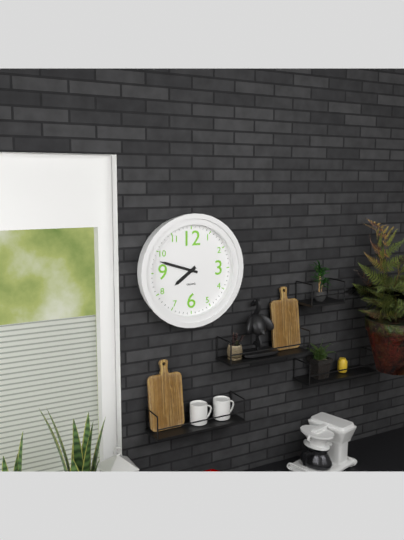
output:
7.48
